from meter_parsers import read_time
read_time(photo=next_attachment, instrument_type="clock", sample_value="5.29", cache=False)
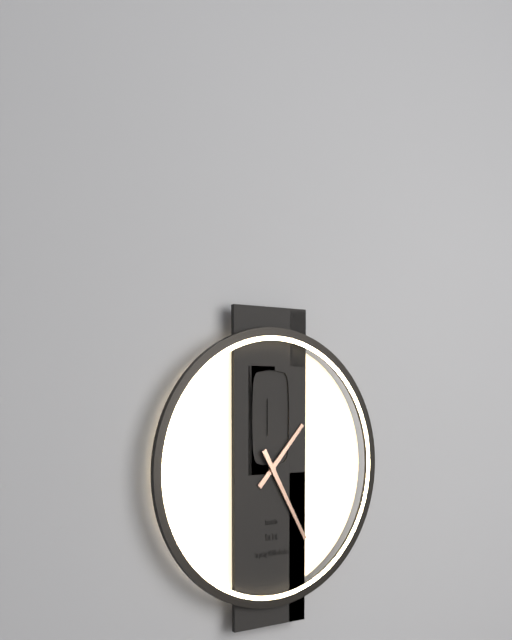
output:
1.25
